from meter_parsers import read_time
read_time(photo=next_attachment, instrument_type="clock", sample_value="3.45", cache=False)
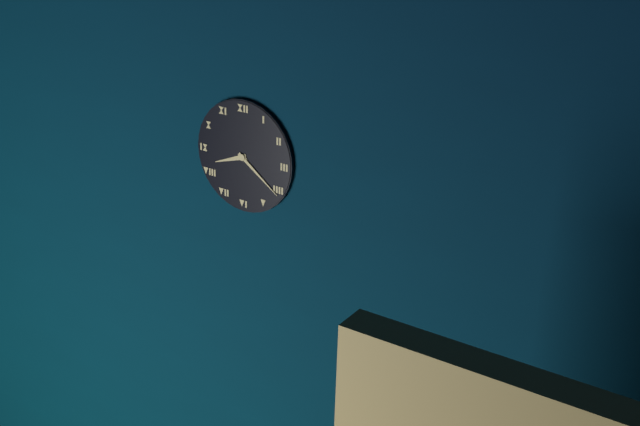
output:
8.21
